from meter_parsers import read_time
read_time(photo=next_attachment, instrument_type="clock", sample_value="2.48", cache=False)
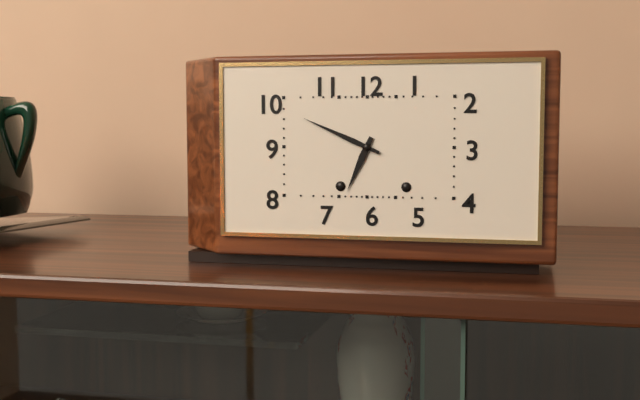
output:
6.49
